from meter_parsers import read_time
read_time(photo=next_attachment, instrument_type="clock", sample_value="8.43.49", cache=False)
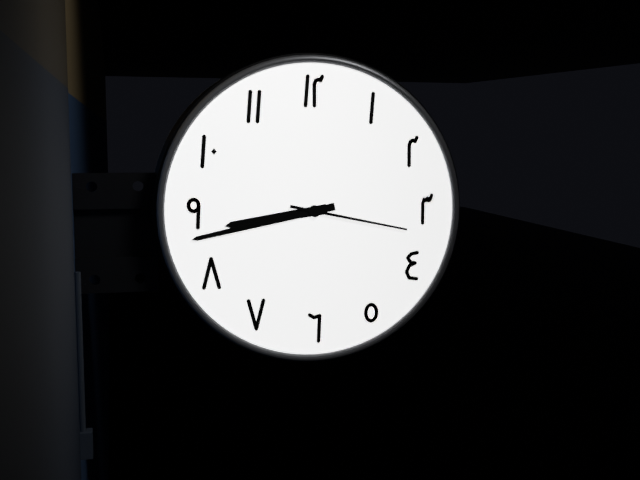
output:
8.43.17
